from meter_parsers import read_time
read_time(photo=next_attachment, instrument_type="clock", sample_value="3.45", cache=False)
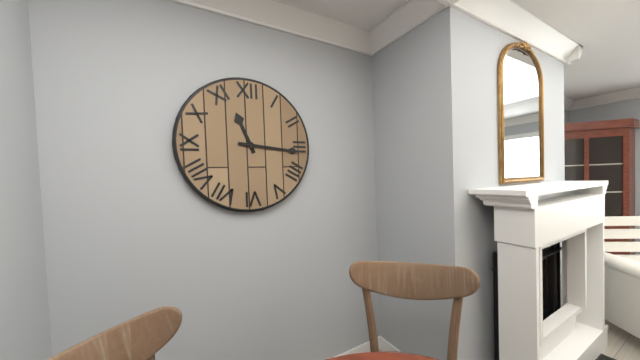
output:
11.16
